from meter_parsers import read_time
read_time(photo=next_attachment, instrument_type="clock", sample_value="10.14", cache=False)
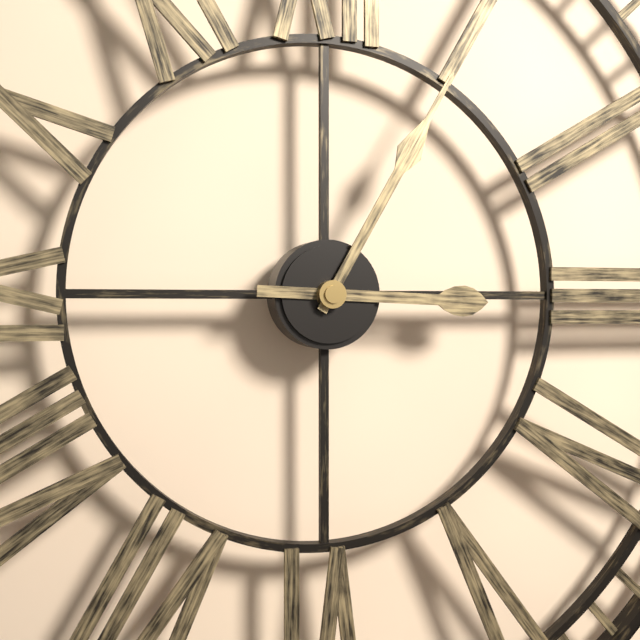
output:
3.05
